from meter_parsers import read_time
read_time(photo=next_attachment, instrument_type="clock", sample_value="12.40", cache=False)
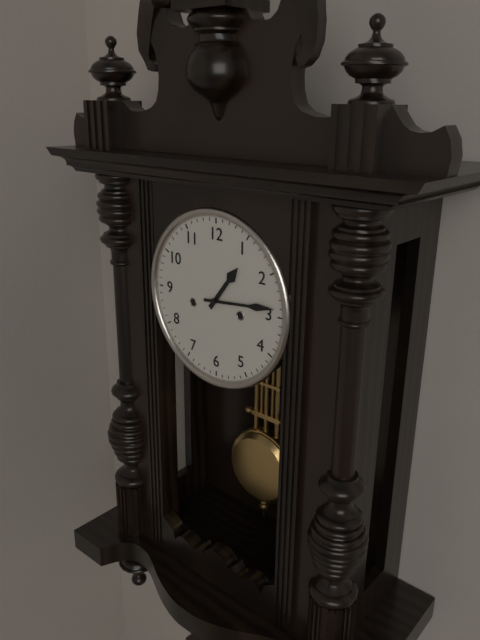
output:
1.14
